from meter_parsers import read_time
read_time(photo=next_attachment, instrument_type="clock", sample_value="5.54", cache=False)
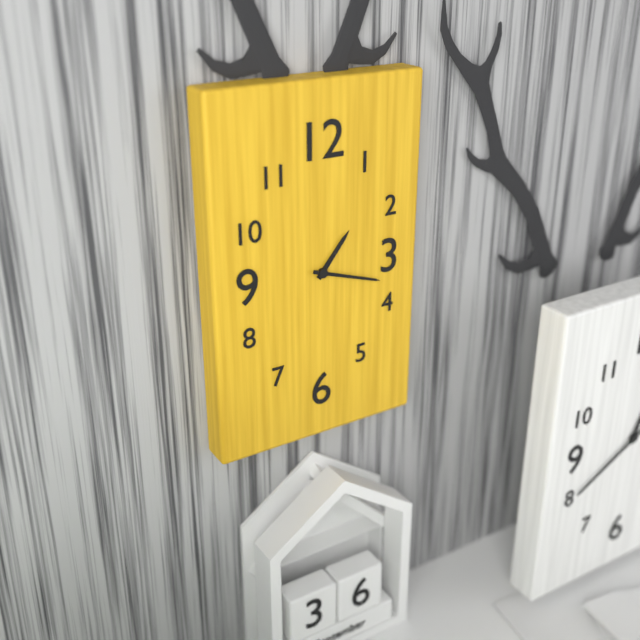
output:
1.18
